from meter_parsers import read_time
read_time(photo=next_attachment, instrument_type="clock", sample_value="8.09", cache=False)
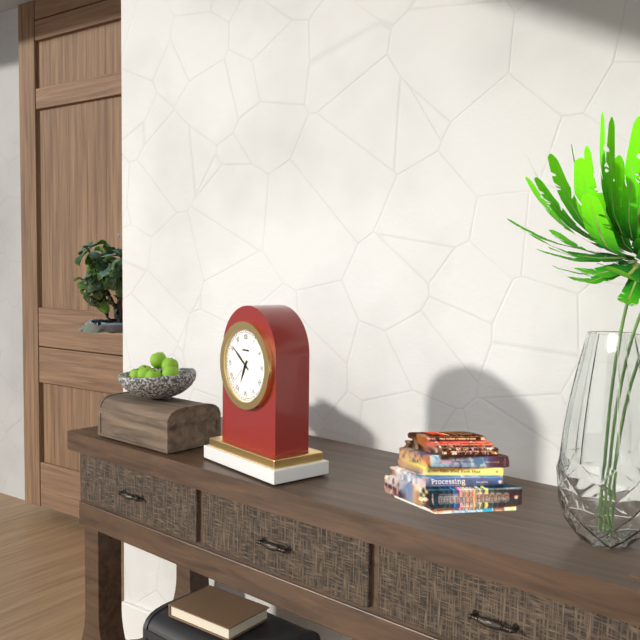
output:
6.51
